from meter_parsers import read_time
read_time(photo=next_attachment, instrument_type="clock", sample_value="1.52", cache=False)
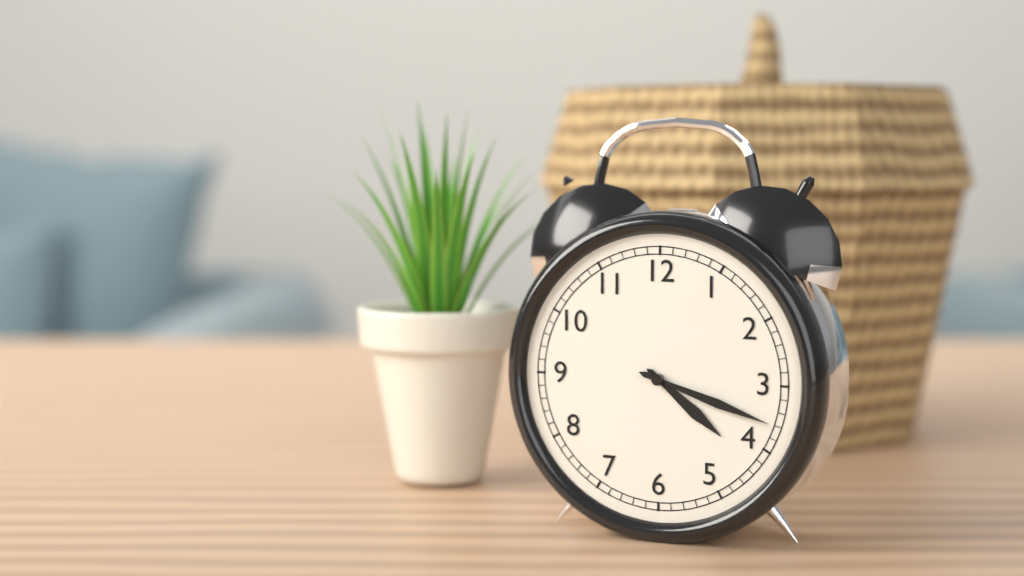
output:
4.18
